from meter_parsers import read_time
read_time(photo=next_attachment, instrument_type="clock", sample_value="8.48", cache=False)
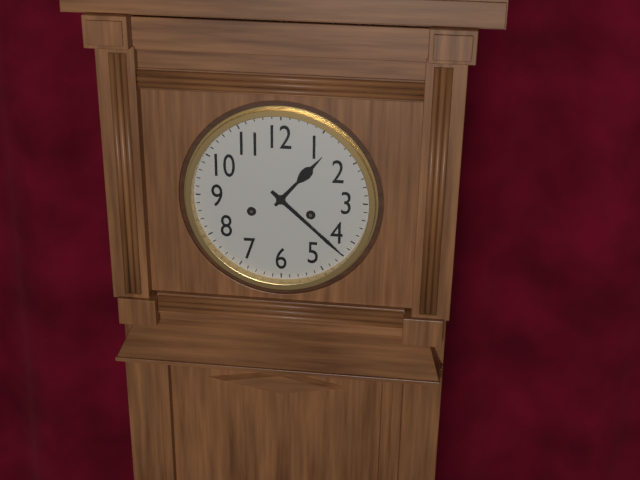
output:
1.22
